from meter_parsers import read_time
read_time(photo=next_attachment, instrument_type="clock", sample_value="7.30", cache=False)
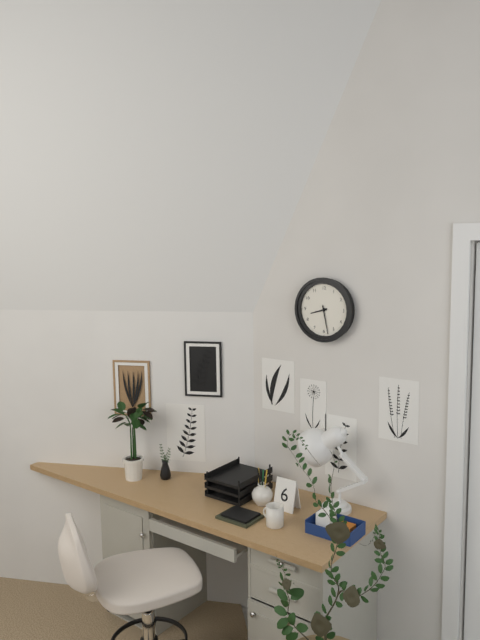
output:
8.28
